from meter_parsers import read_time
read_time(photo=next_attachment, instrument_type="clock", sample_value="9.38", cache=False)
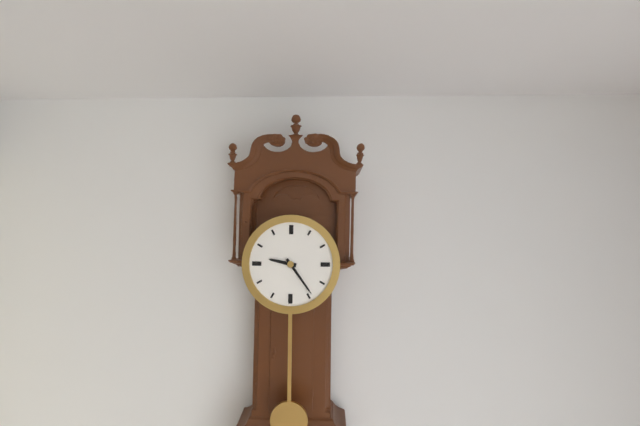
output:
9.24
